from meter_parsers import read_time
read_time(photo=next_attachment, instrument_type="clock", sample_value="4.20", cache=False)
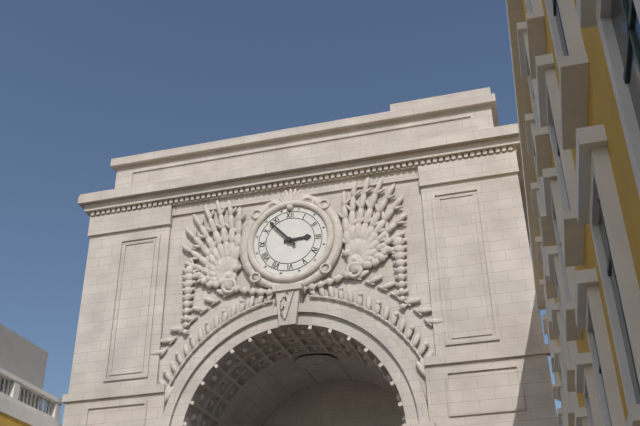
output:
2.53
